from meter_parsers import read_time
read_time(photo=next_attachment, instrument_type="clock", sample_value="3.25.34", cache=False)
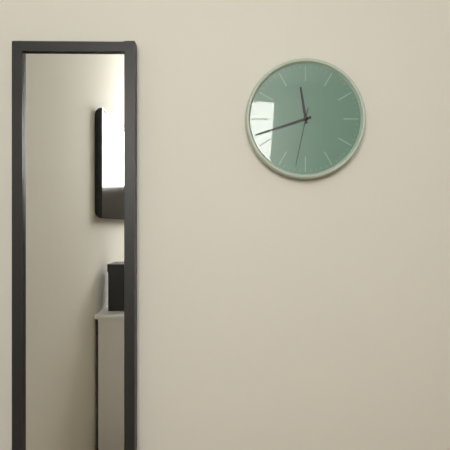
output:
11.42.32
